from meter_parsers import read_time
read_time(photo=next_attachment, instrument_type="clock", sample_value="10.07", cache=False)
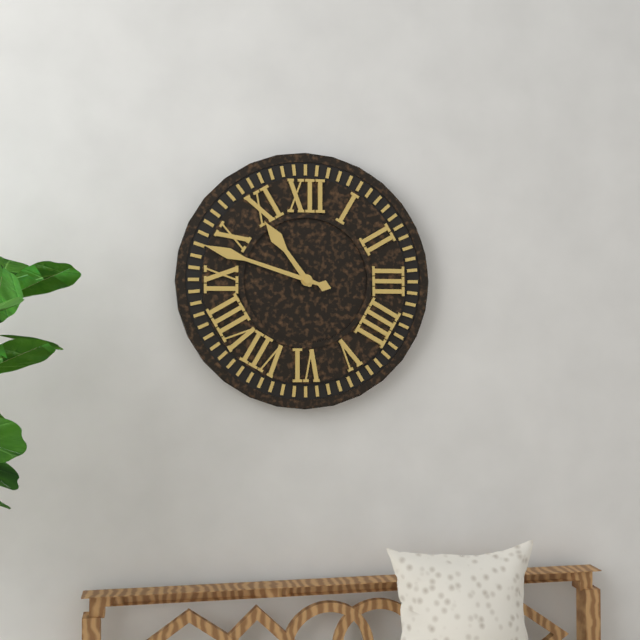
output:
10.48
